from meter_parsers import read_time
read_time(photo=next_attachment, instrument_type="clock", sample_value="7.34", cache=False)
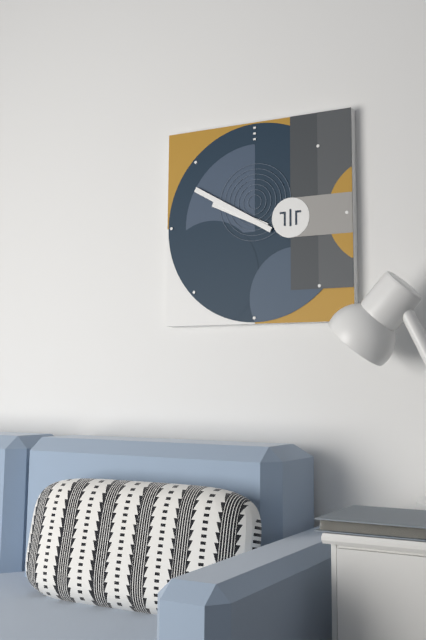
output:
9.50
